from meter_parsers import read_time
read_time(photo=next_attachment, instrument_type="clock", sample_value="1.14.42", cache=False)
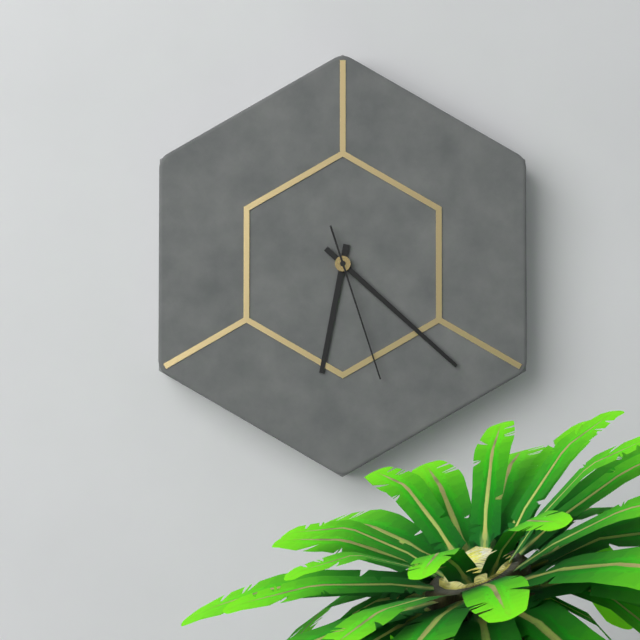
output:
6.22.27
